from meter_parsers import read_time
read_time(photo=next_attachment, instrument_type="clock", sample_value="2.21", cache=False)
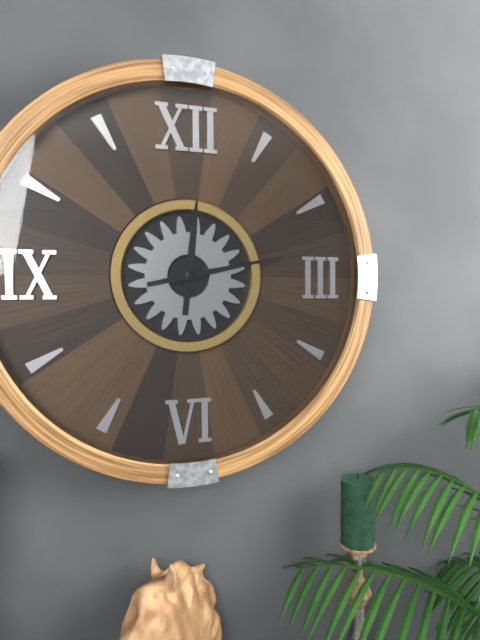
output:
12.13
